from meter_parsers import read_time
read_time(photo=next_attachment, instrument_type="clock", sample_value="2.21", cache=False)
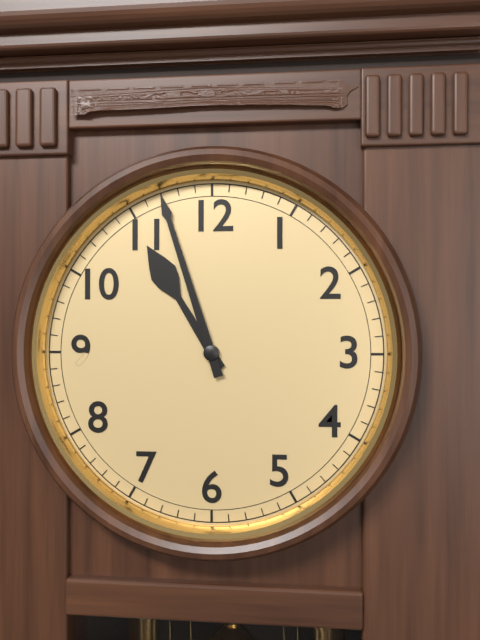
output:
10.57
